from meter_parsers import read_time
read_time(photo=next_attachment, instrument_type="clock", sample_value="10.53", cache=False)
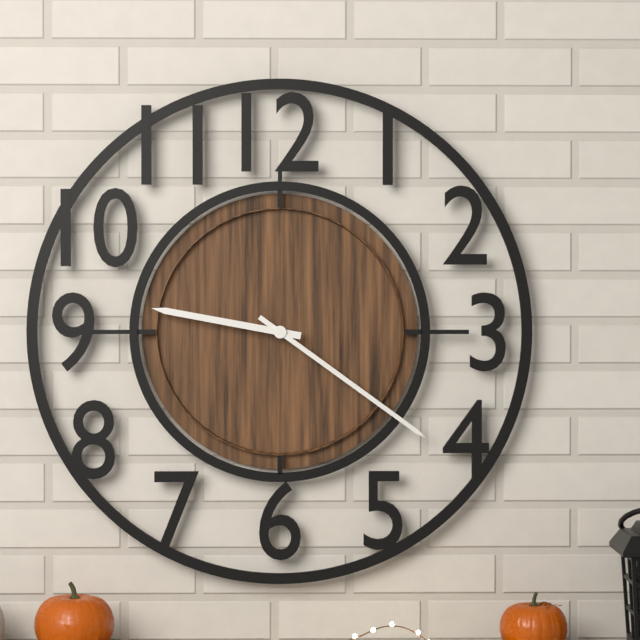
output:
9.21
